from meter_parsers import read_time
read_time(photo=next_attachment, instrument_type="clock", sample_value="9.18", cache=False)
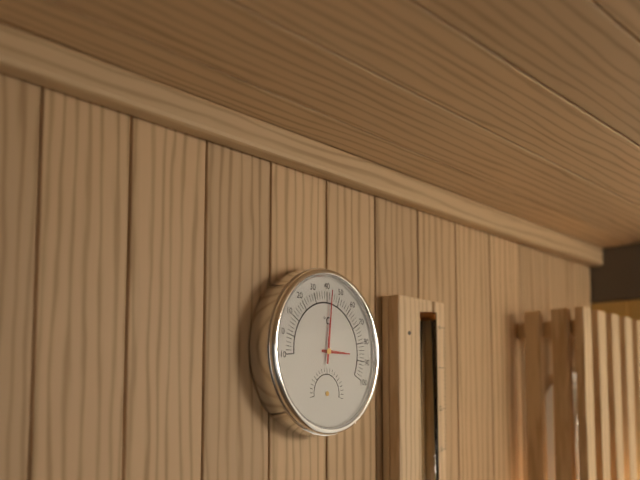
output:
3.01
